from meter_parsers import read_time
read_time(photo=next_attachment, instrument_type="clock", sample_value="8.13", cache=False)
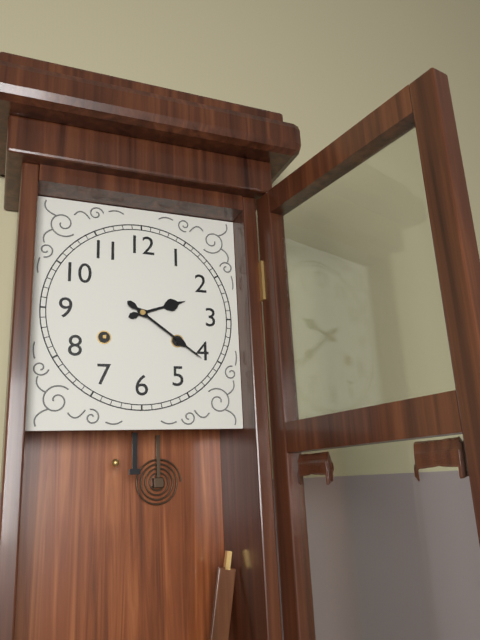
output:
2.21
